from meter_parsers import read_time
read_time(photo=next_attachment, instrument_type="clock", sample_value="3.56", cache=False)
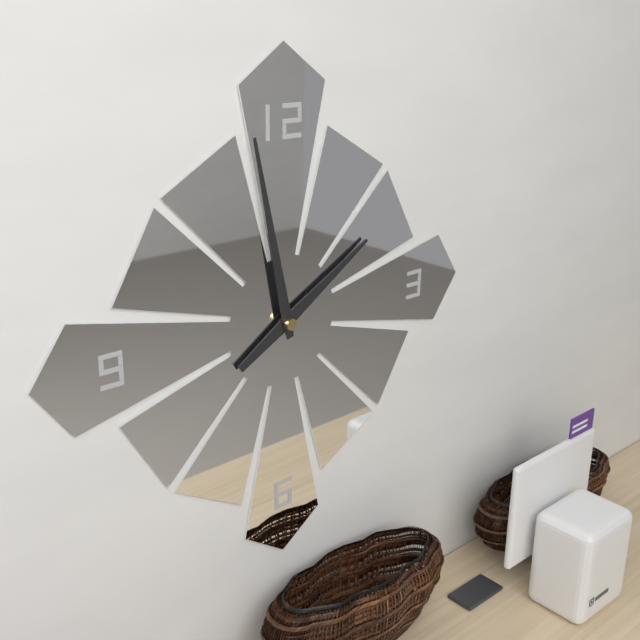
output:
1.58
